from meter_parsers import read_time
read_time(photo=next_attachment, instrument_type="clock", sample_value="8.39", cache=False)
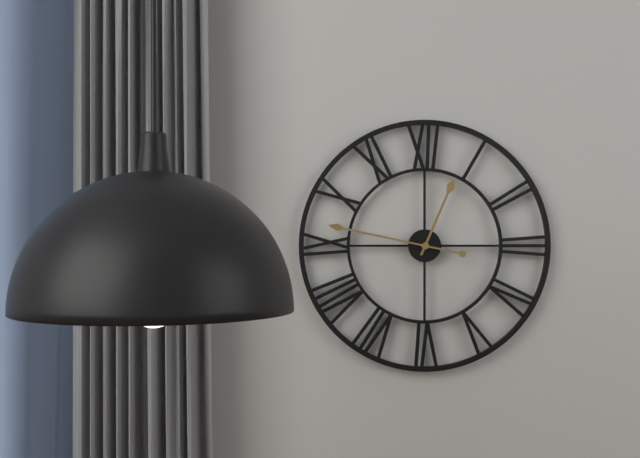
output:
12.47
